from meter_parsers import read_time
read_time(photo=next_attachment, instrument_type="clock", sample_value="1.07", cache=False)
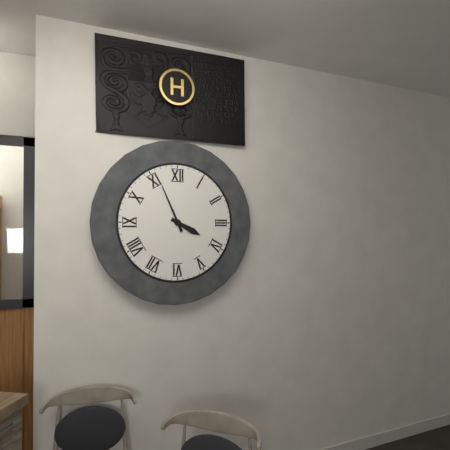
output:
3.56
